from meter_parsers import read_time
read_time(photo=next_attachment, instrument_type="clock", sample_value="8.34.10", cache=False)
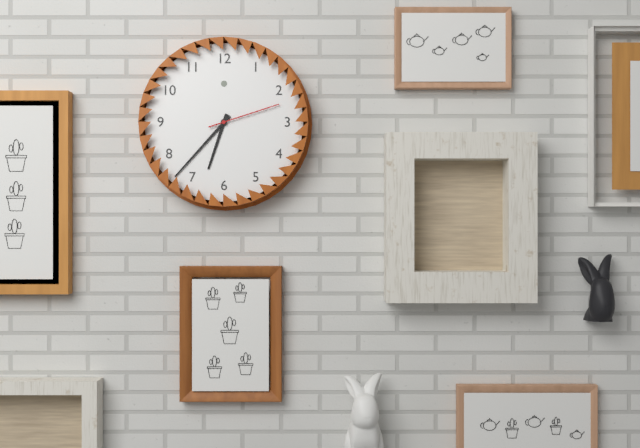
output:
6.37.12
